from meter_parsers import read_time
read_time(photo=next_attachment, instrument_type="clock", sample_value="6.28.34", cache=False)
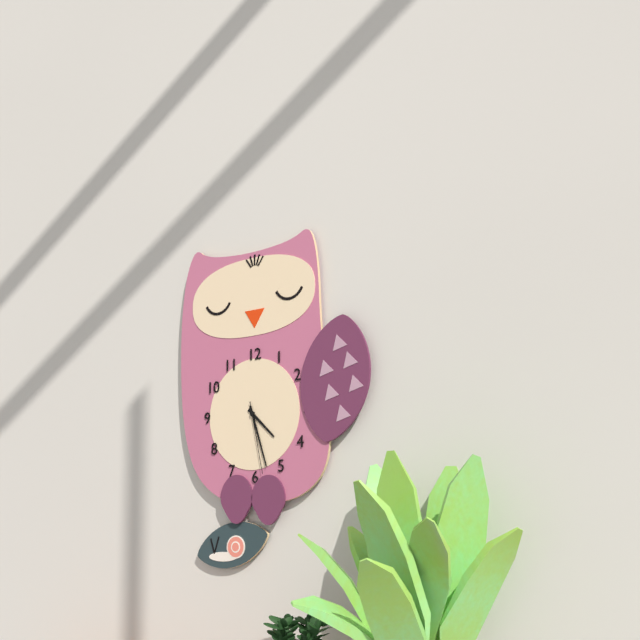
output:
4.27.28
